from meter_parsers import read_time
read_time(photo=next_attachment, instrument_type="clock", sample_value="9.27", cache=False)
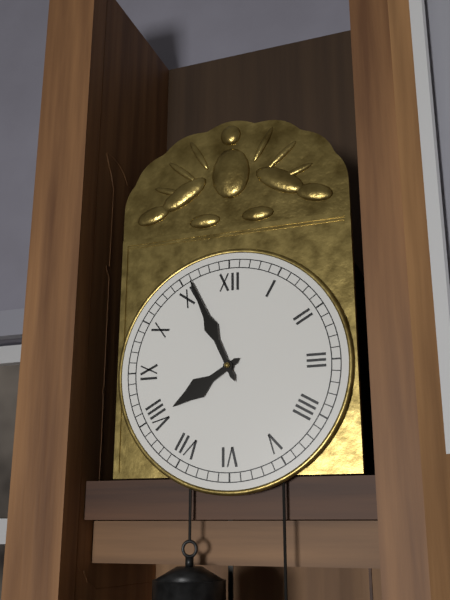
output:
7.56
